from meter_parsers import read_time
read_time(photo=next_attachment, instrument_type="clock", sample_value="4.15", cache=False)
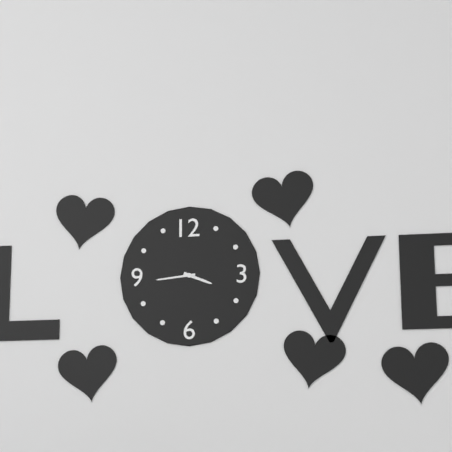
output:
3.44
